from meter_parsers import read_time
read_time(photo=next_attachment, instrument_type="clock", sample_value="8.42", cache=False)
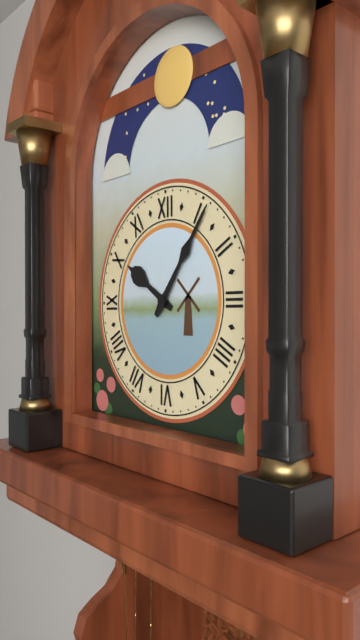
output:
10.06
